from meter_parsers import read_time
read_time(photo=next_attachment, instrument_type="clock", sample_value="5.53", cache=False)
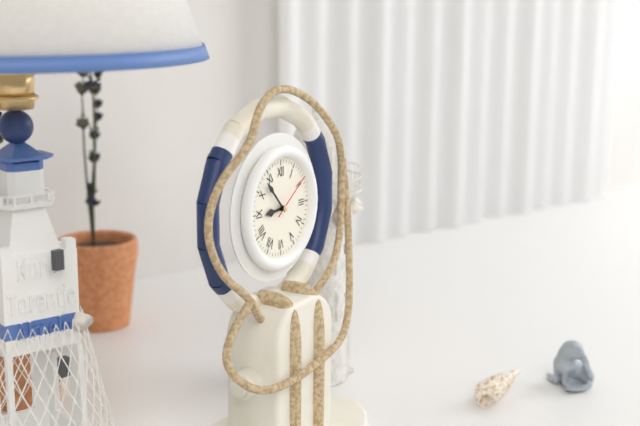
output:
8.53
